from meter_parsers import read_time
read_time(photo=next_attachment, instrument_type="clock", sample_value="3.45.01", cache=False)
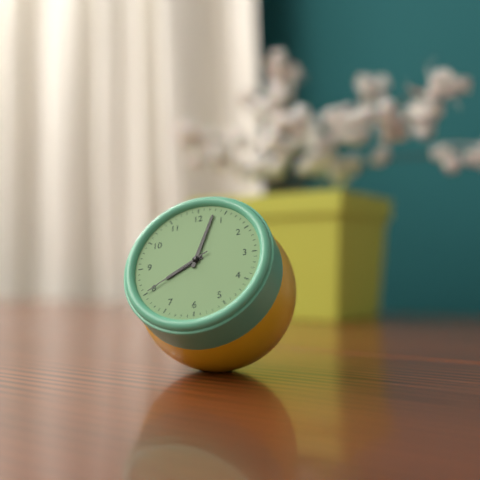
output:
8.03.40
